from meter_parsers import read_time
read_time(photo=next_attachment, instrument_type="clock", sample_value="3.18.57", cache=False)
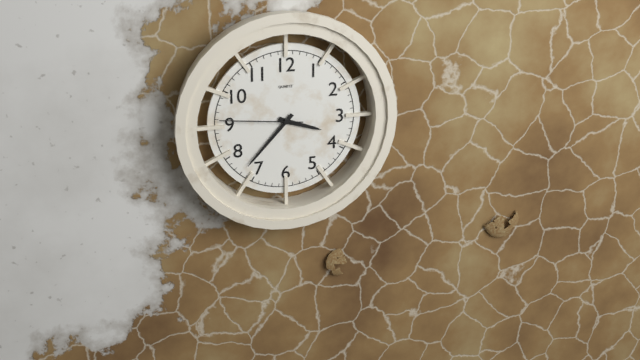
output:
3.37.46
